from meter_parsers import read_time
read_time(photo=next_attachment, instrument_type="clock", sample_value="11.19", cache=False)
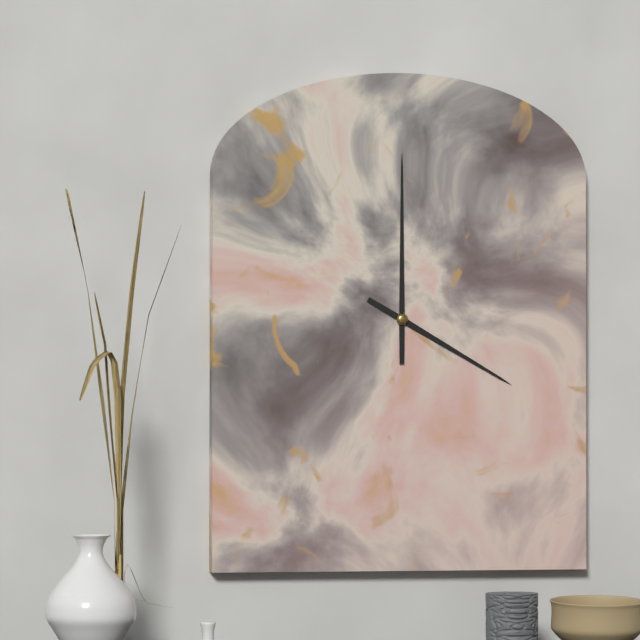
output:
4.00
